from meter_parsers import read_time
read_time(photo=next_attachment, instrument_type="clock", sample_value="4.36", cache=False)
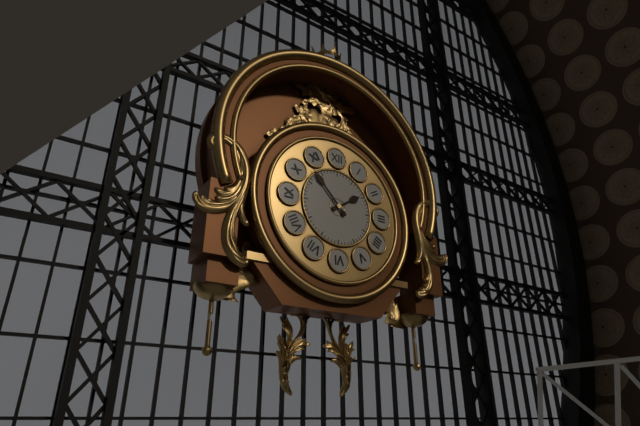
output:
1.53
